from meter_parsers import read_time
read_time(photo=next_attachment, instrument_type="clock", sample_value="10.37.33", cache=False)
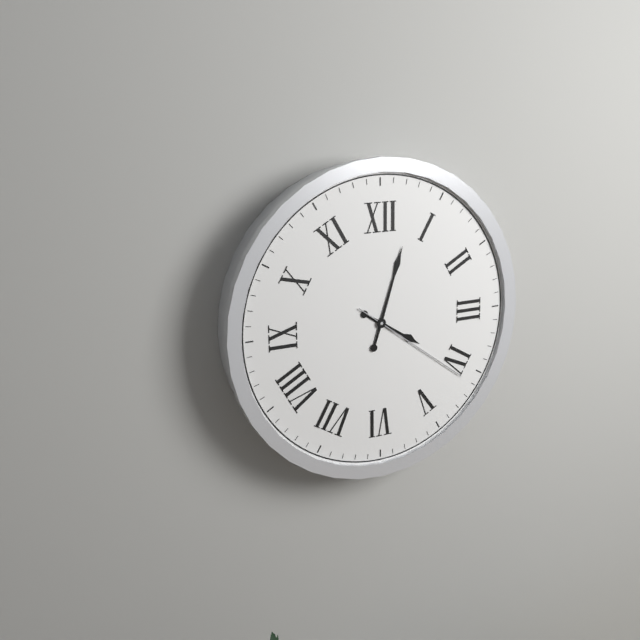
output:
4.03.21
